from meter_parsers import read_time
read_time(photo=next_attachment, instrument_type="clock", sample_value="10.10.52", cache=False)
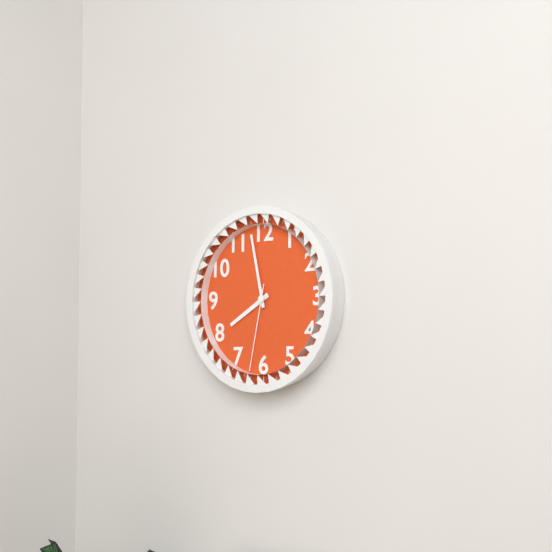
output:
7.58.32
